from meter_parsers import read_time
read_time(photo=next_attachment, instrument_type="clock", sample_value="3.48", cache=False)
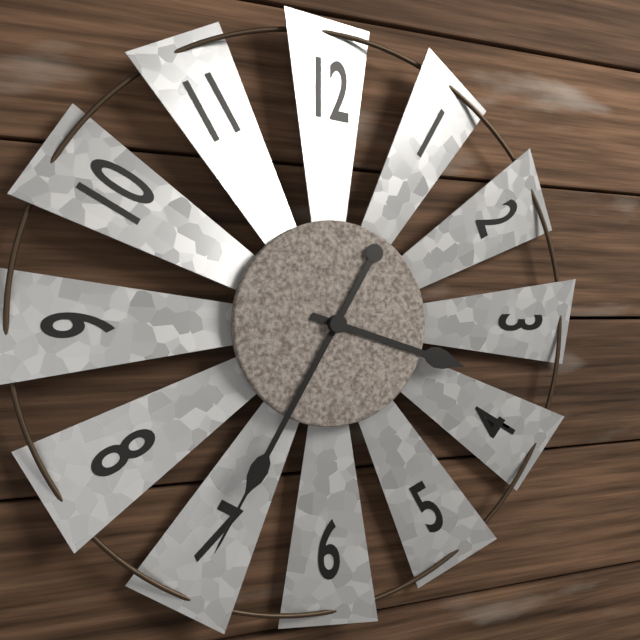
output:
3.35
